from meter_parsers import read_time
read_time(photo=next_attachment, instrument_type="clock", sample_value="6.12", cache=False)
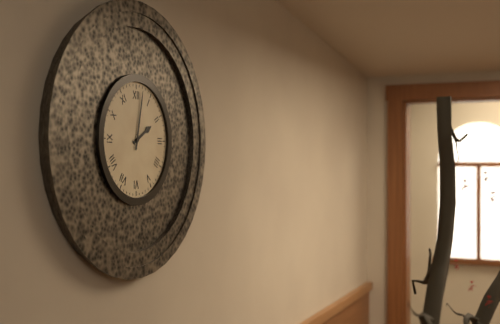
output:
2.02
